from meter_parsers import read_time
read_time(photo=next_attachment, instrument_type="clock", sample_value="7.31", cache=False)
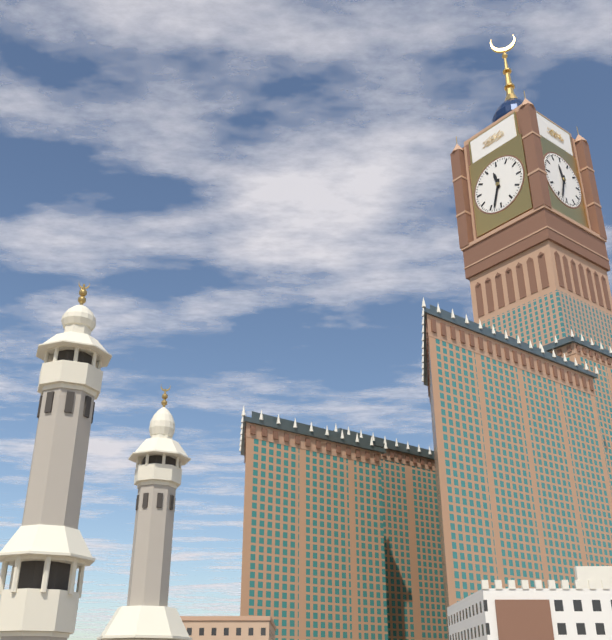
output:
11.33
